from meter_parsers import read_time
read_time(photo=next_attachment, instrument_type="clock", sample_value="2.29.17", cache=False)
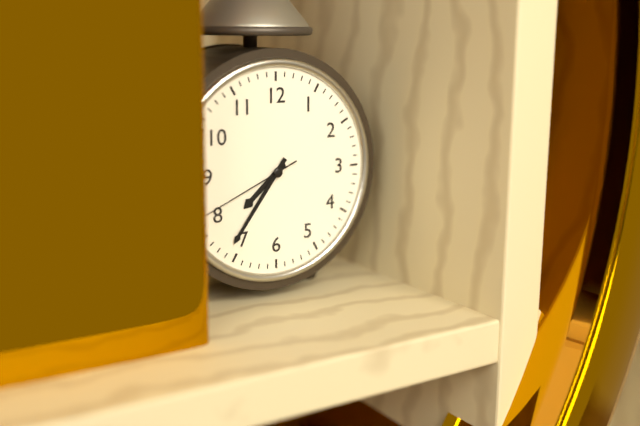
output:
7.36.41
